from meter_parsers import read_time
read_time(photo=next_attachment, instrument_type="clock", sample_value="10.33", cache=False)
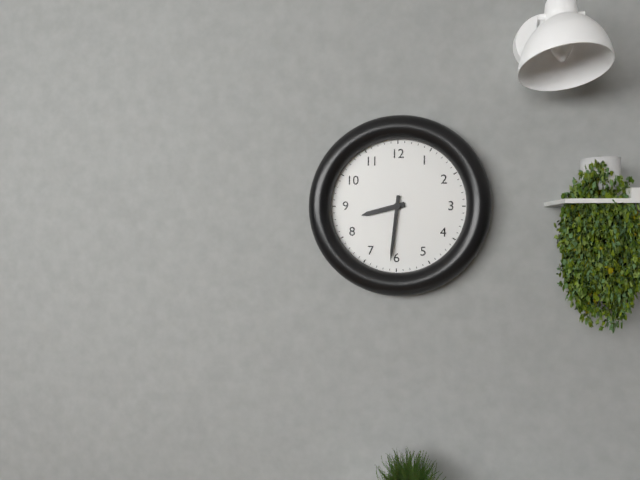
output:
8.31
